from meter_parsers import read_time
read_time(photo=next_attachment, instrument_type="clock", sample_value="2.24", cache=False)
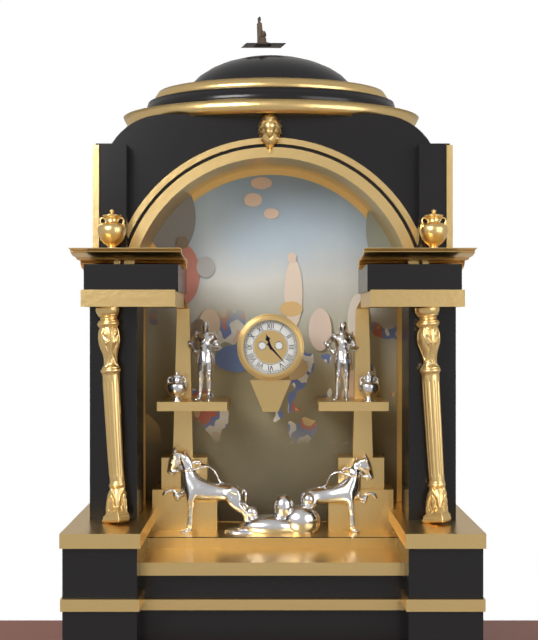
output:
11.23
